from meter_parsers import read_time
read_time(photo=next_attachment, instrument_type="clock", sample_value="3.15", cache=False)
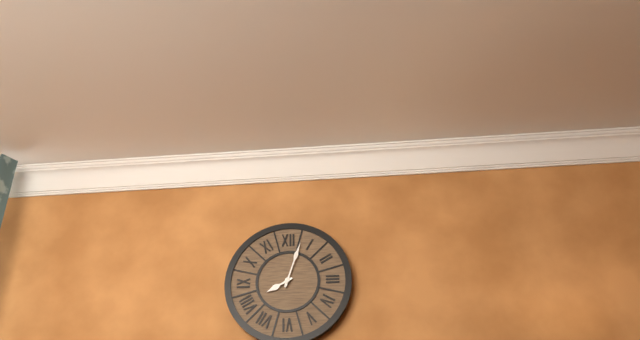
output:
8.03
